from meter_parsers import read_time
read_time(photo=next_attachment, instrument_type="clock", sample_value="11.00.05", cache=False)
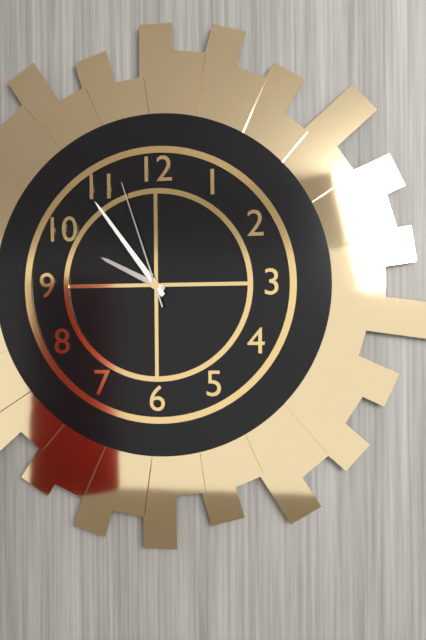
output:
9.54.57
